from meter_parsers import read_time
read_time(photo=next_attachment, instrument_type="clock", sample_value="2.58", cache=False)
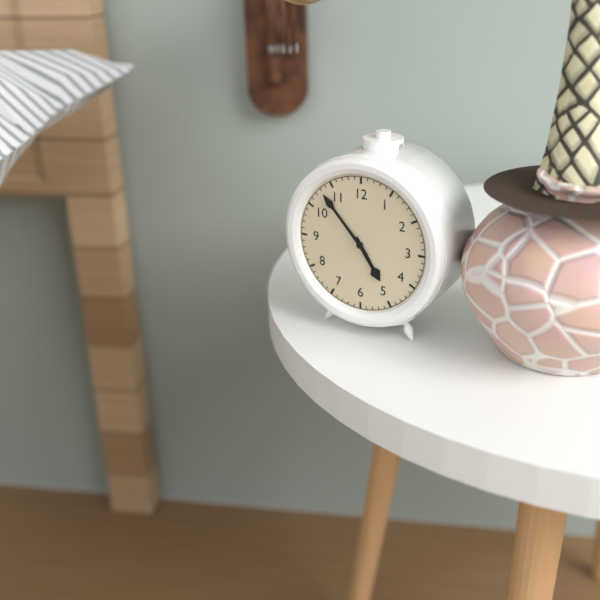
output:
4.53
